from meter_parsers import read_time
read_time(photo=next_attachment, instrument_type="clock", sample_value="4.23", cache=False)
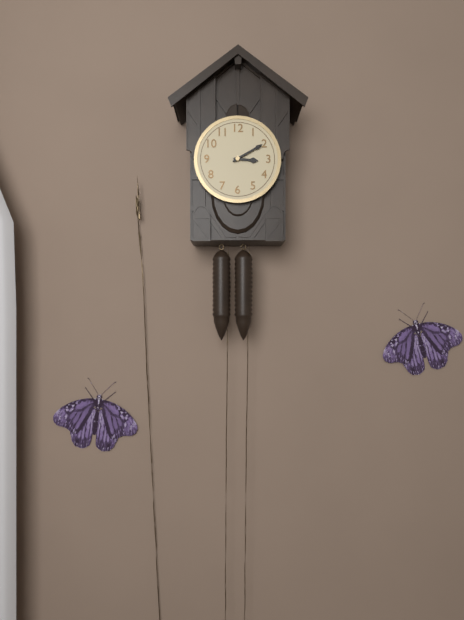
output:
3.10
